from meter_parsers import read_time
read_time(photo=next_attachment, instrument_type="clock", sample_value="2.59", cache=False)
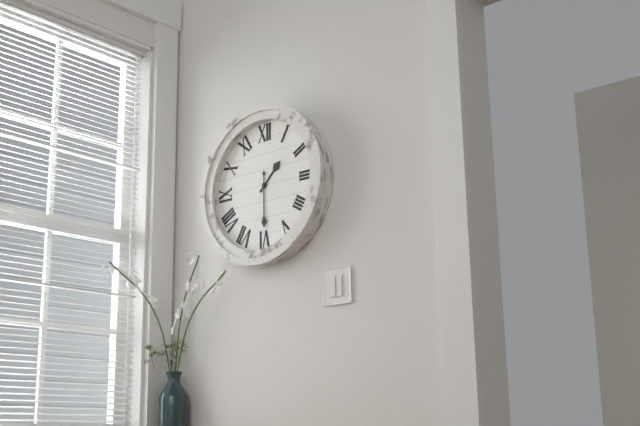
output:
1.30
